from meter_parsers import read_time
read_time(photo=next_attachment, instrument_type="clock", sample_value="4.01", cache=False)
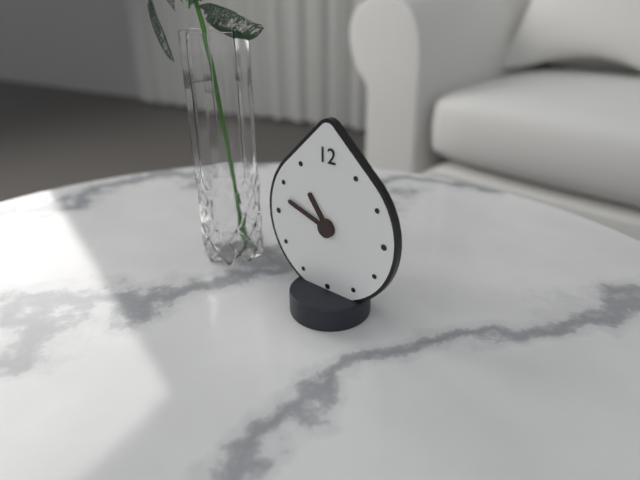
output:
10.48
